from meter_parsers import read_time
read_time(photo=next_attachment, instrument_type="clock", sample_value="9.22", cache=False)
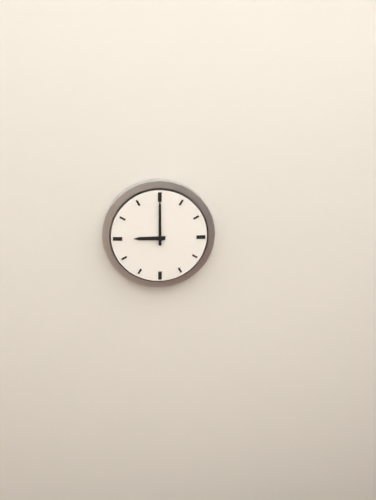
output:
9.00
